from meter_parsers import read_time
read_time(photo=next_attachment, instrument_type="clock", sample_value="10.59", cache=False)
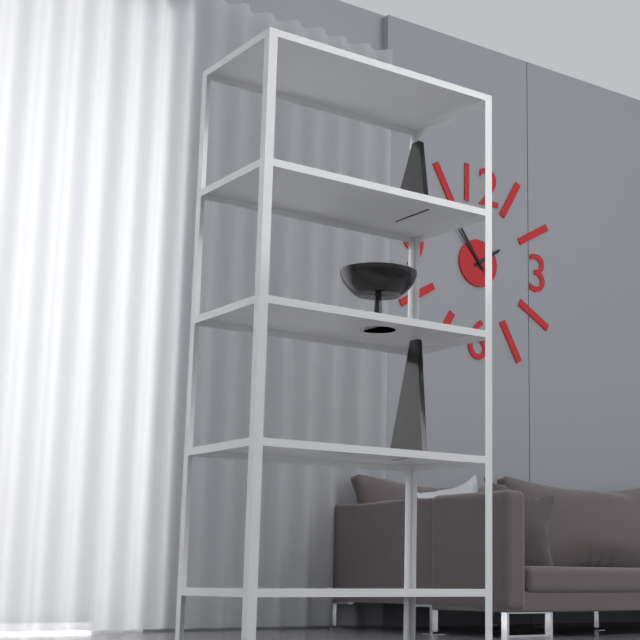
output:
1.54
